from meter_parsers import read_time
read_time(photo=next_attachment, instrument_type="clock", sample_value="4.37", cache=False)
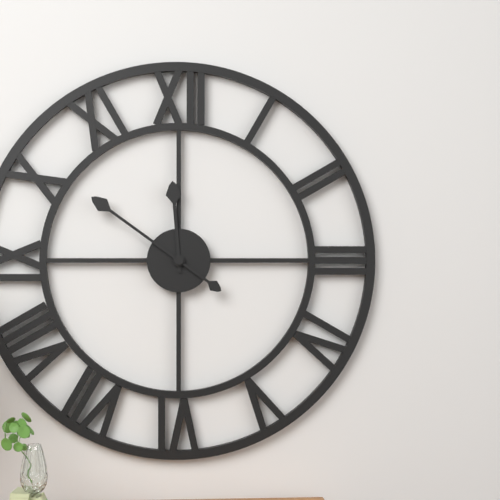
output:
11.51
